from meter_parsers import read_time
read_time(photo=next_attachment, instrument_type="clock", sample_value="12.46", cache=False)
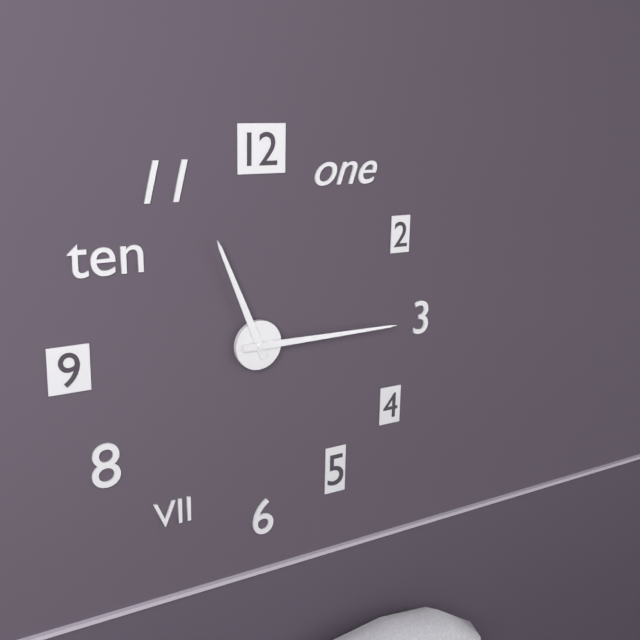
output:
11.15
